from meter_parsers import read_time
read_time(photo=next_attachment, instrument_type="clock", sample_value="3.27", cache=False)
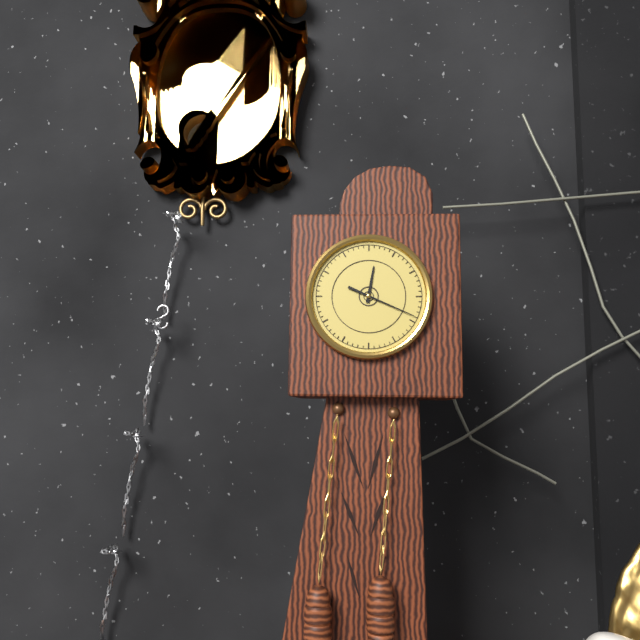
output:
12.19
